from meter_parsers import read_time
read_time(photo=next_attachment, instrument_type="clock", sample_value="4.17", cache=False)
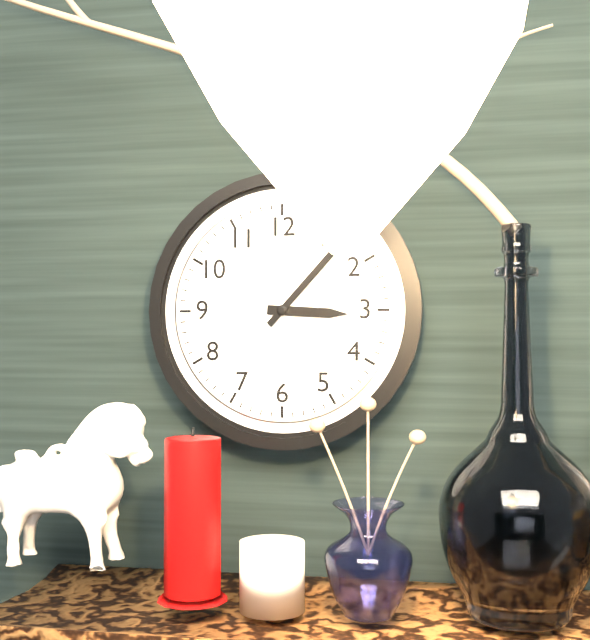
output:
3.07
